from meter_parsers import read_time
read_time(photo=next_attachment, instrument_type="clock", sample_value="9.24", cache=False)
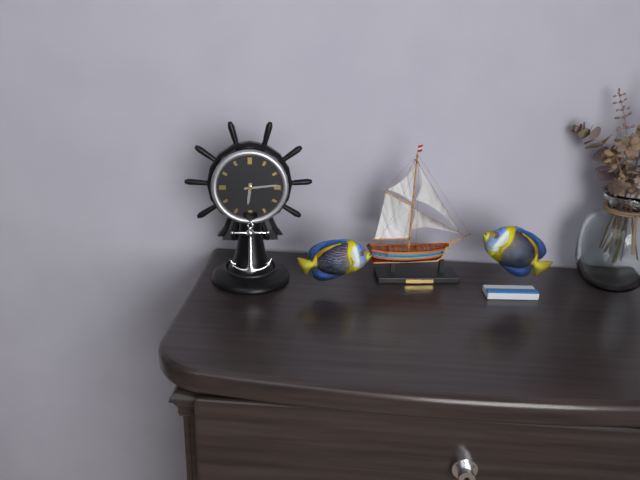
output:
6.14
